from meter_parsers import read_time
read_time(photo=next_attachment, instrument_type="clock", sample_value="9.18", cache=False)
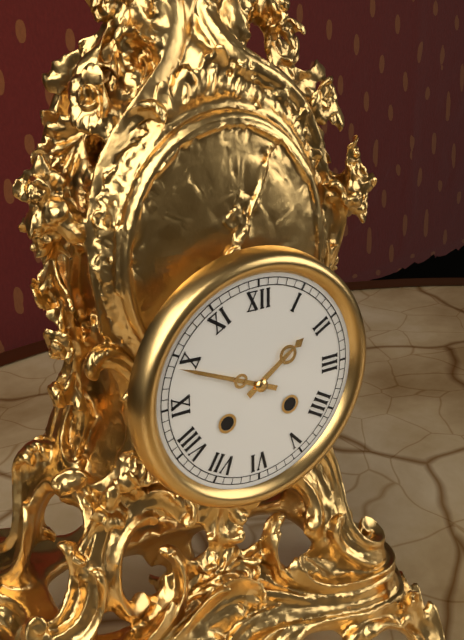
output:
1.49
